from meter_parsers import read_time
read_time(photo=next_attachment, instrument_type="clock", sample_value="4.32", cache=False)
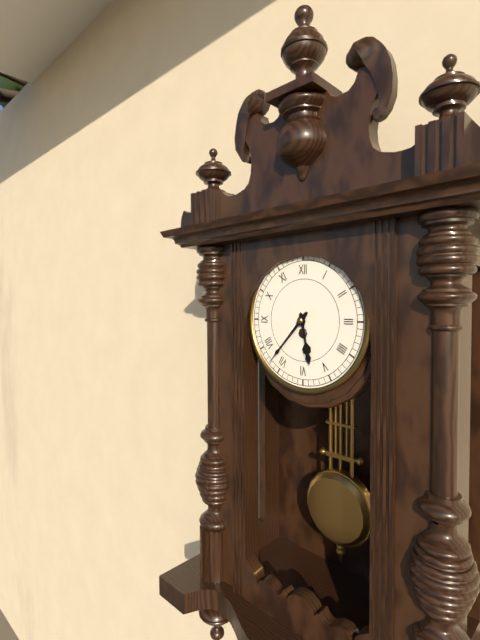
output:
5.37
